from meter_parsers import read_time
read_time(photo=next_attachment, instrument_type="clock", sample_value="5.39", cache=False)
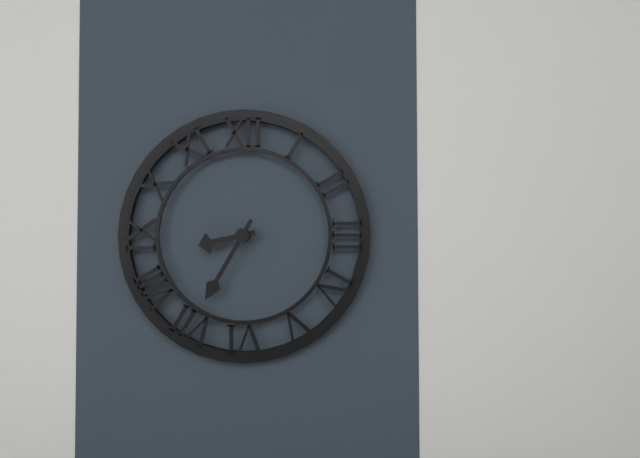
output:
8.35
